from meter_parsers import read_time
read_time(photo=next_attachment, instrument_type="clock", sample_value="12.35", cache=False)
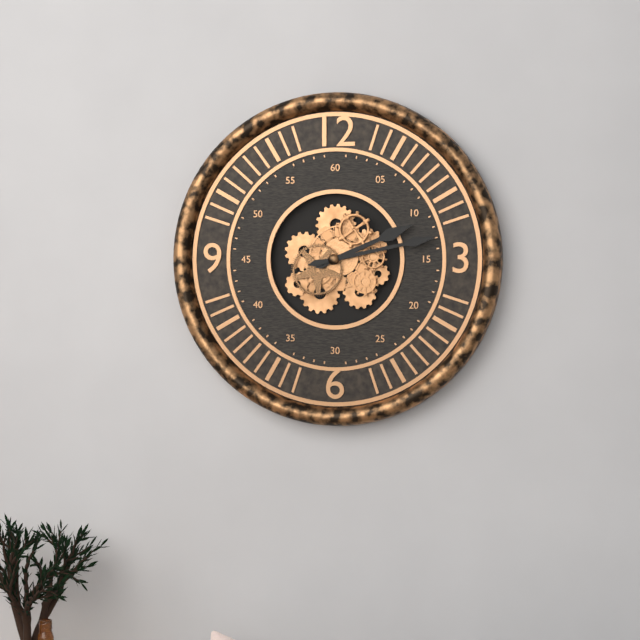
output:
2.13
